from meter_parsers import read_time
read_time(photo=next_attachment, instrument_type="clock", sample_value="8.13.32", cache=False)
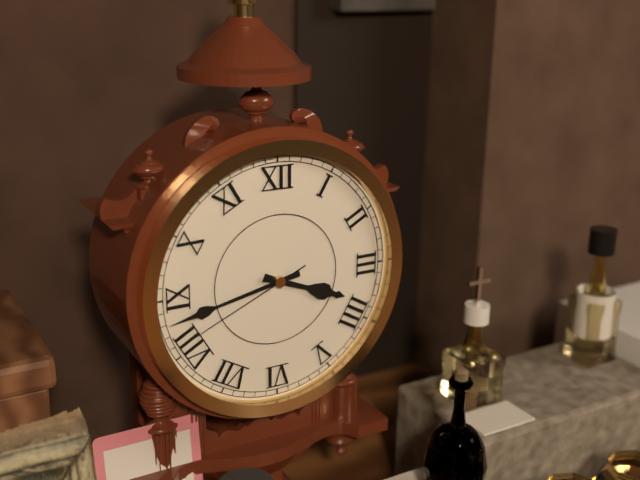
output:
3.43.41
